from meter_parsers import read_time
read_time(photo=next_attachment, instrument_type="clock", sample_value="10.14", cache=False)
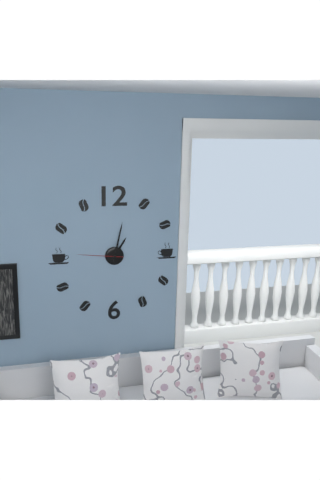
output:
1.02
